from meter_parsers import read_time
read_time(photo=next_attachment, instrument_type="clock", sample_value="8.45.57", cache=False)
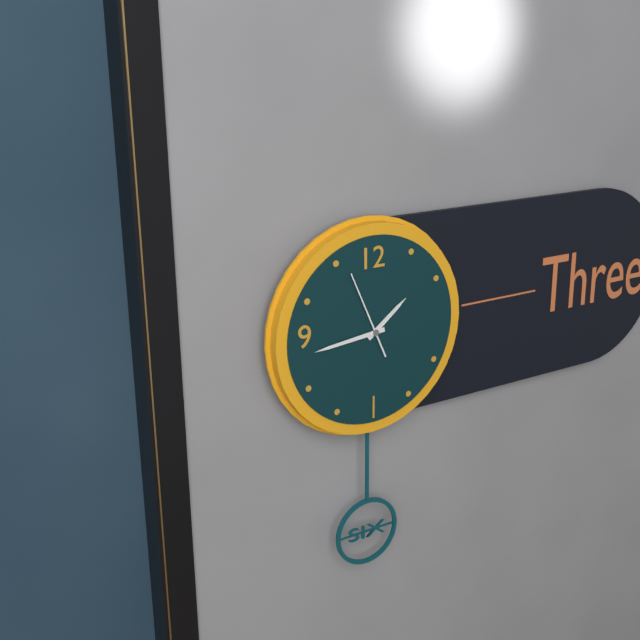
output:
1.44.56
